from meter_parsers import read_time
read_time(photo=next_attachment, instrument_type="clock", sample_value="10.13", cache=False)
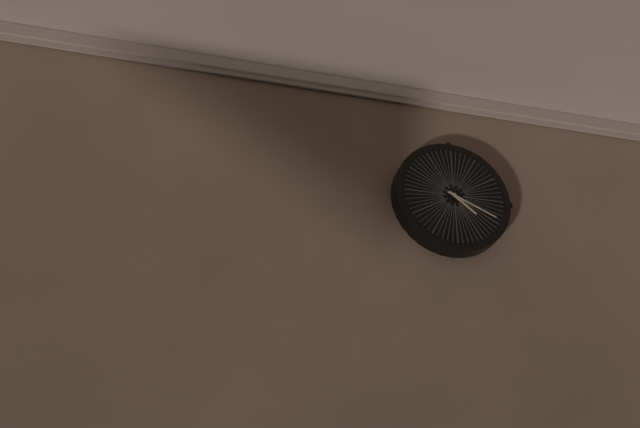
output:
4.19
